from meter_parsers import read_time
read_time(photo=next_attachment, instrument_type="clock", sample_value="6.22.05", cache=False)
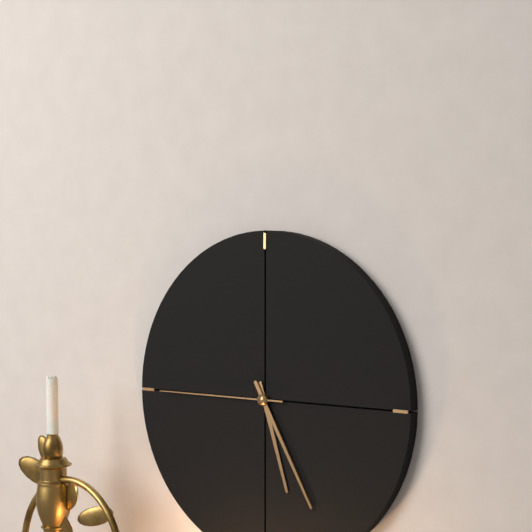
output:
5.25.45
